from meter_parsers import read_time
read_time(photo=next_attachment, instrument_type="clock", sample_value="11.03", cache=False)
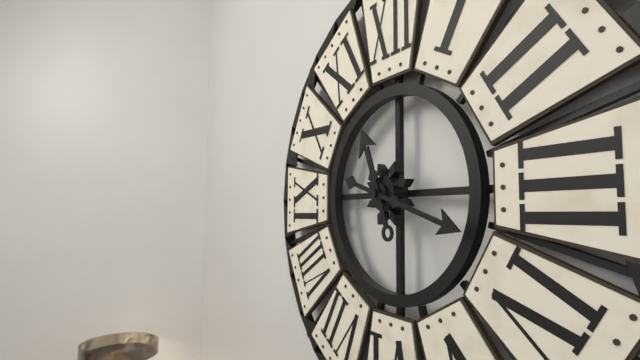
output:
11.18
